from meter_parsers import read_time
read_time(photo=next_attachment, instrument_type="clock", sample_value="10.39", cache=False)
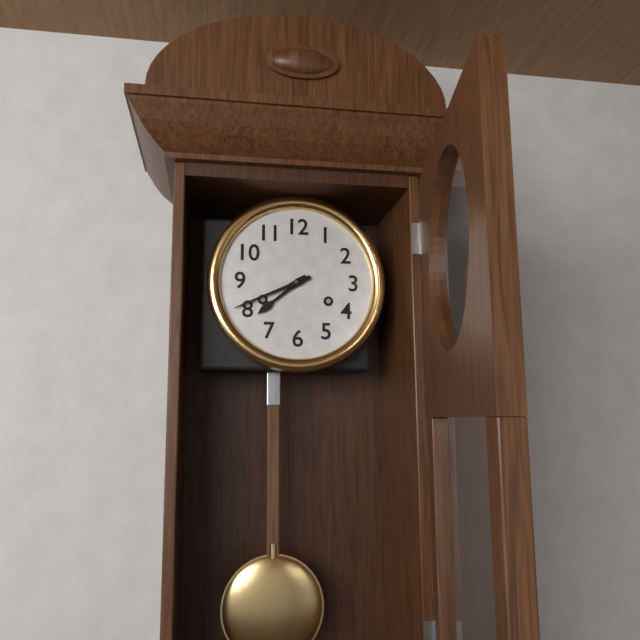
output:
7.41
